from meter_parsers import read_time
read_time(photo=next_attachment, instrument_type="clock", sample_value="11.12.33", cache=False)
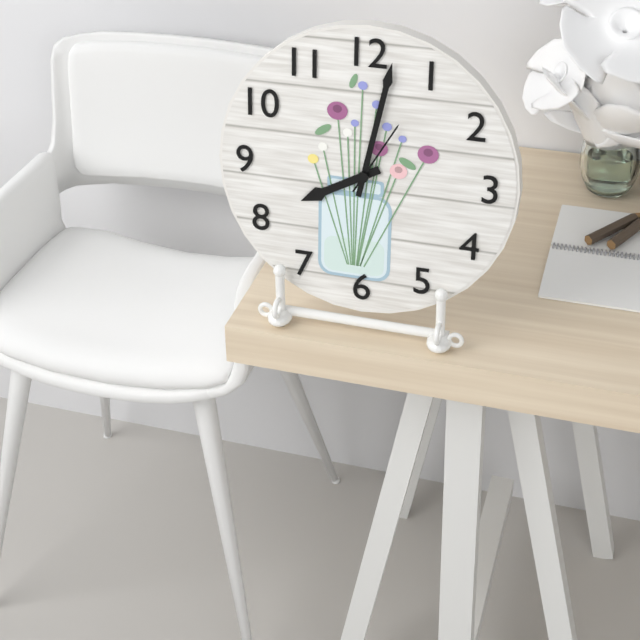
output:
8.02.05
